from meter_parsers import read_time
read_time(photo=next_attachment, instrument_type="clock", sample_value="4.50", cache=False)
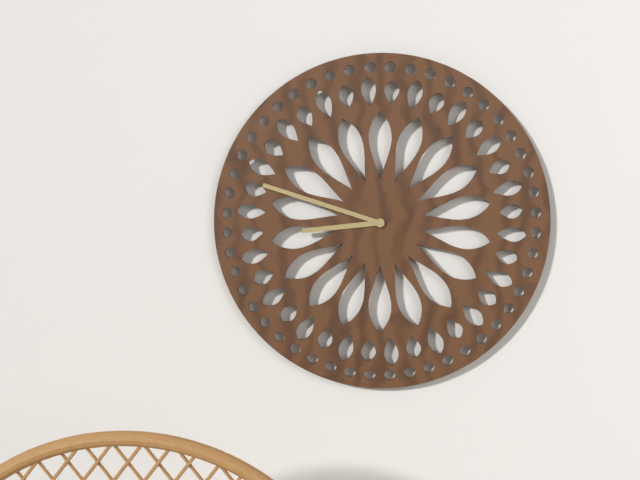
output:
8.48
